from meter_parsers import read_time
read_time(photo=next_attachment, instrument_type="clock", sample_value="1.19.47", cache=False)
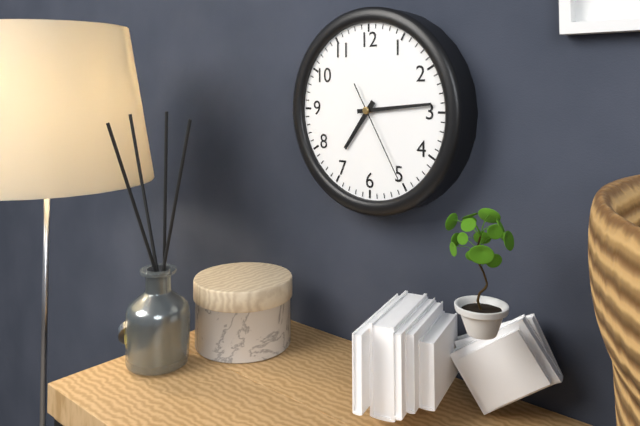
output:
7.14.25
